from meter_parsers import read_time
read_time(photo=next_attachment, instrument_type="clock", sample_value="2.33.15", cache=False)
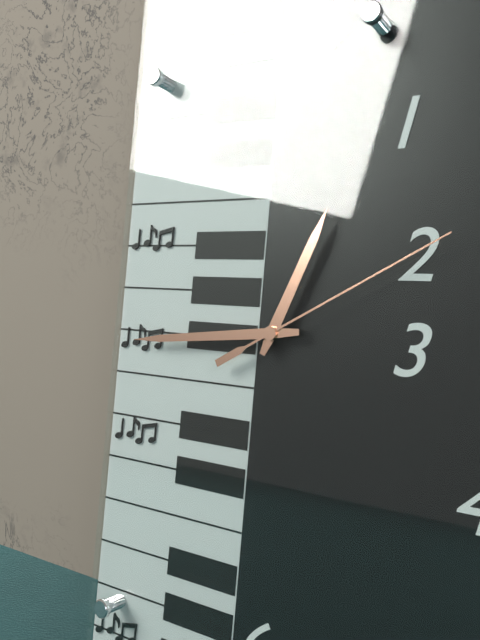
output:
12.44.10
